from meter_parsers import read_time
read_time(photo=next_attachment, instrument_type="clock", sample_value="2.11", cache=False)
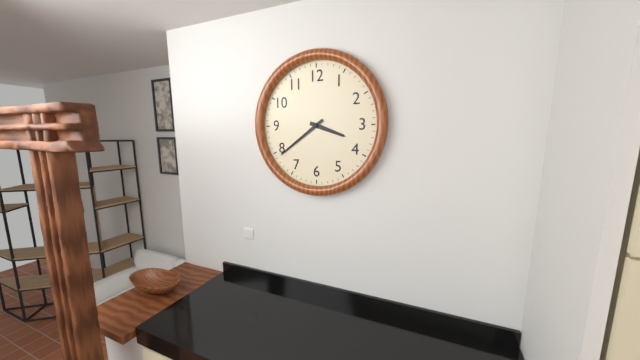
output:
3.39
